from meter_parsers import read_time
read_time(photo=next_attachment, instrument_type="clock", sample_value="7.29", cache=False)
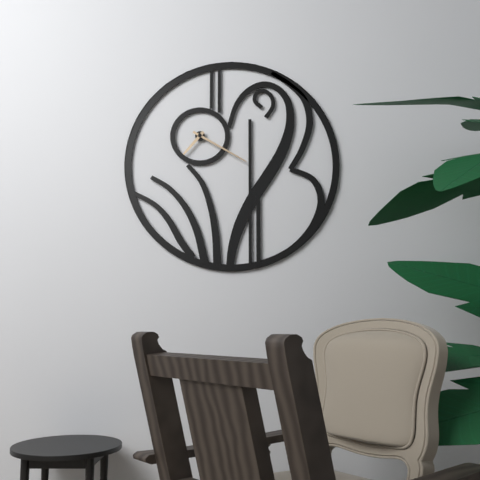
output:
7.20
